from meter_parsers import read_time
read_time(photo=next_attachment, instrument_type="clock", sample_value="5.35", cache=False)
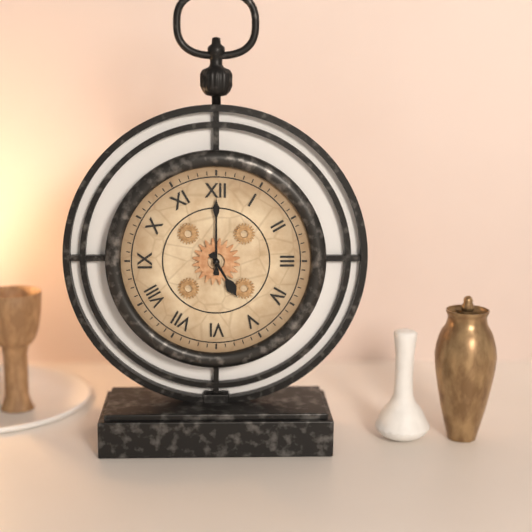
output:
5.00
